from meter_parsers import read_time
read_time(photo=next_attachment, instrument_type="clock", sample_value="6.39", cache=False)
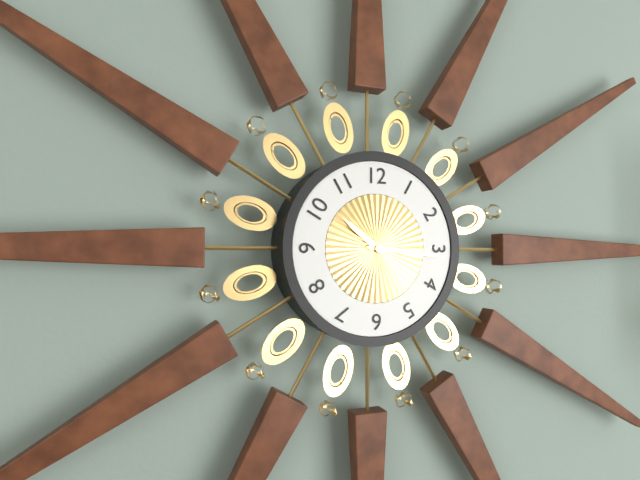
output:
10.16
